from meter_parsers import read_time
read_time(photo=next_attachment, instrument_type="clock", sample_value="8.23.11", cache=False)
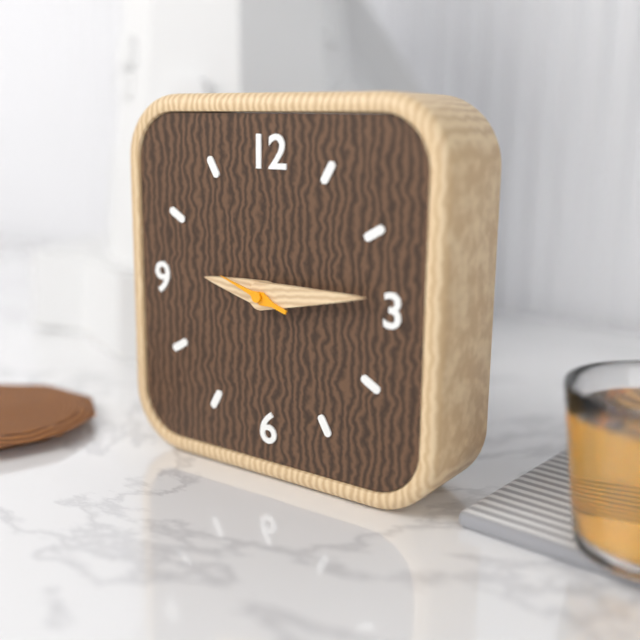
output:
9.14.48
